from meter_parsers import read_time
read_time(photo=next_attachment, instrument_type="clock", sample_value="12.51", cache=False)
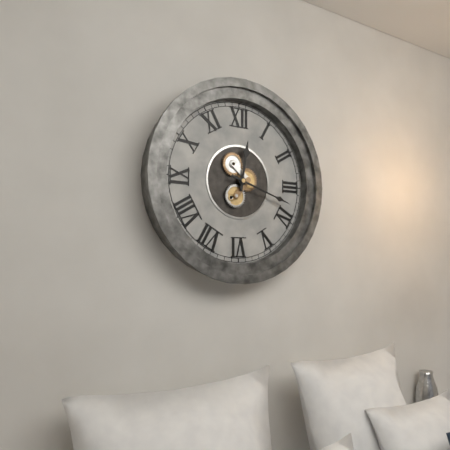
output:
12.18
